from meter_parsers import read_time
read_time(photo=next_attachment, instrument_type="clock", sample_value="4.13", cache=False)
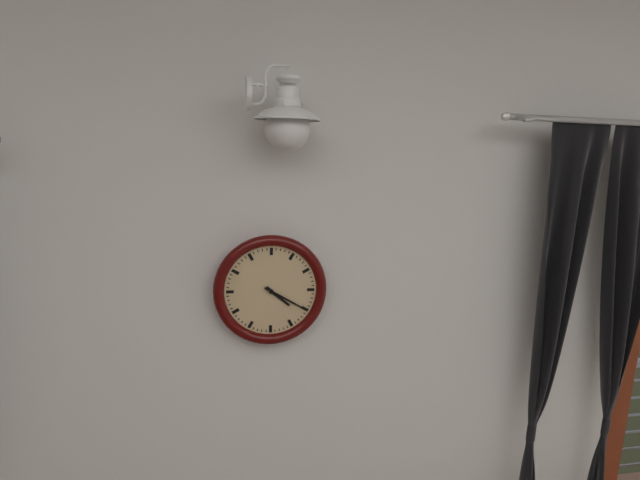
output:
4.20
